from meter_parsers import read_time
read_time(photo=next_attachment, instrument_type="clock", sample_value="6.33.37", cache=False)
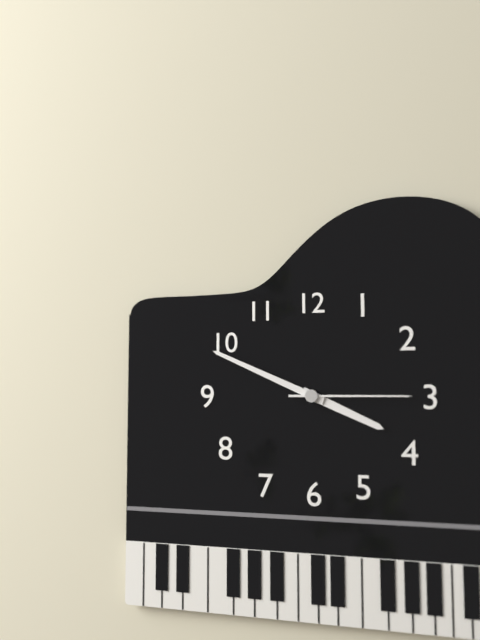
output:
3.49.15
